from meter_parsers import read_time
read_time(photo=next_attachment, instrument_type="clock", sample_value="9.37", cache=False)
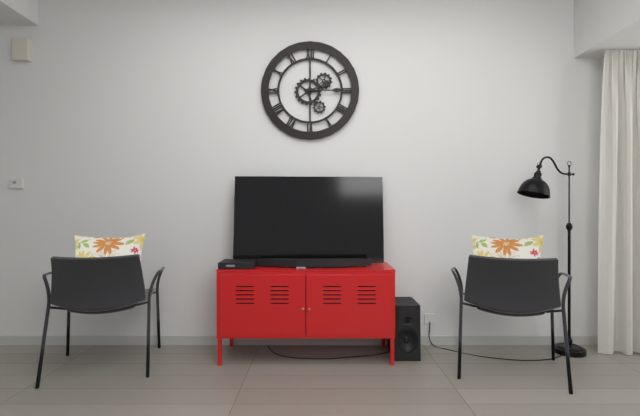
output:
2.15
